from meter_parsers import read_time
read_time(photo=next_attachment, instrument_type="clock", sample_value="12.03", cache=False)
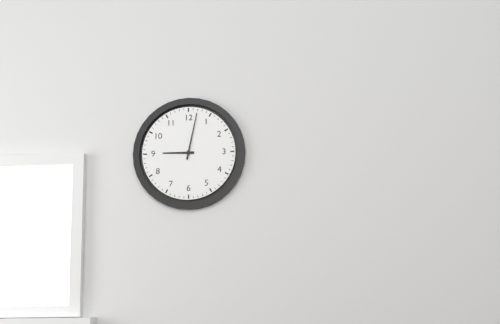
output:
9.02
